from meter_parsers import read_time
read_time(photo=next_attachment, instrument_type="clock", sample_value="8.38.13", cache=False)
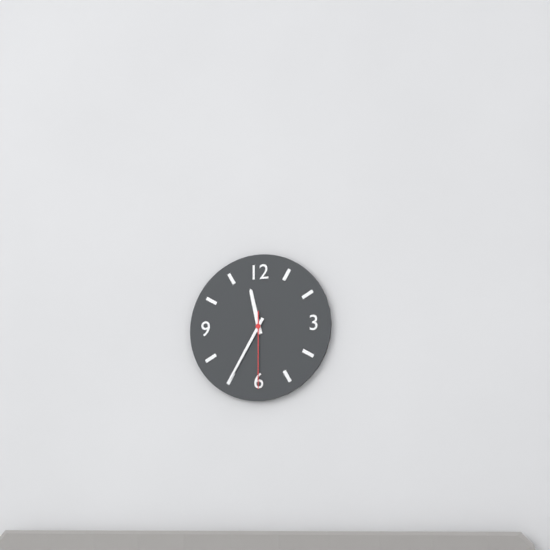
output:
11.35.30
